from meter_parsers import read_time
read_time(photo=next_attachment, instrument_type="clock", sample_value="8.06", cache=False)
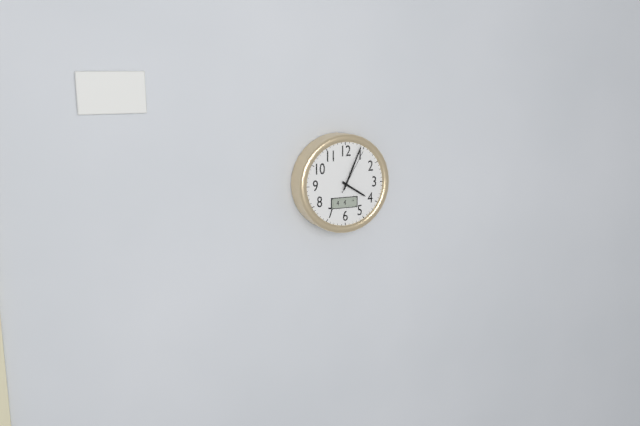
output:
4.04
